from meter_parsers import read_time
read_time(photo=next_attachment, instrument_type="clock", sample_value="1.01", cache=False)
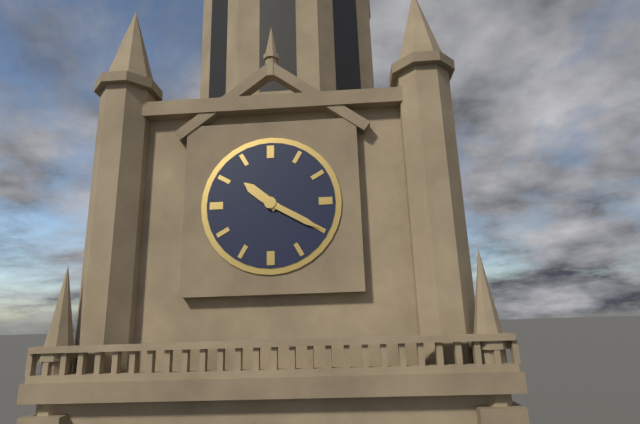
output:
10.20
